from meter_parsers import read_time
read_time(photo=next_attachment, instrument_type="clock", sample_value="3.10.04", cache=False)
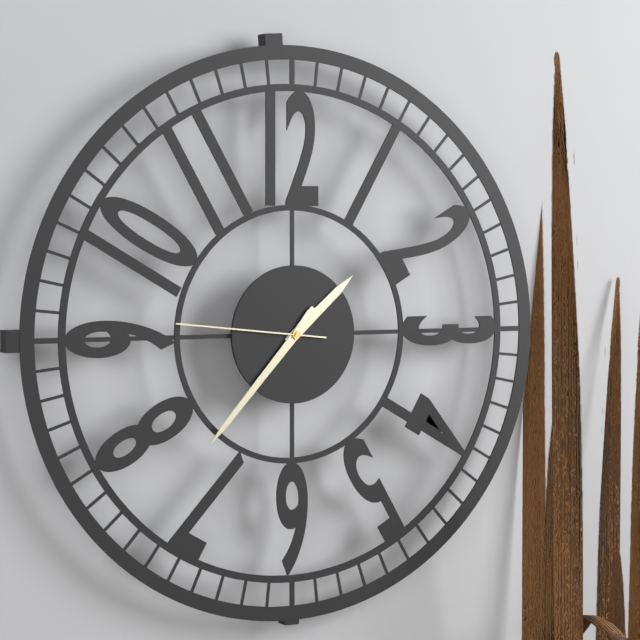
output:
1.37.46
